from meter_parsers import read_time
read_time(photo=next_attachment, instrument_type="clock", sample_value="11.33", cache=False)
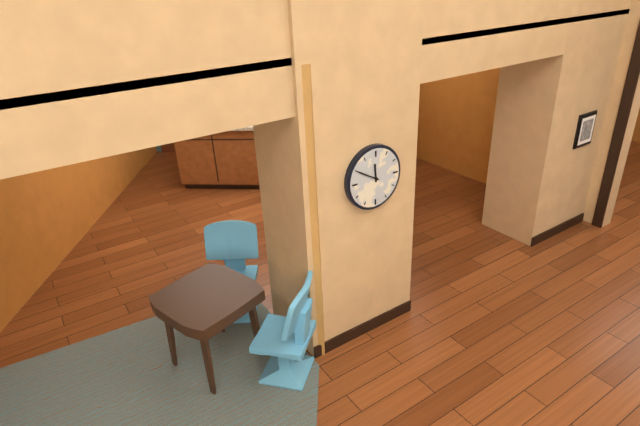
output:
11.50
